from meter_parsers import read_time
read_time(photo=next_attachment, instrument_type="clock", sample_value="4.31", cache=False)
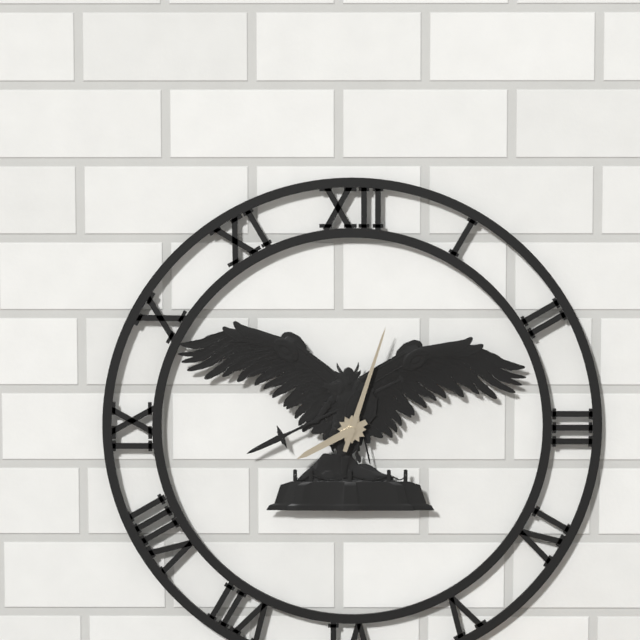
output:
8.03
